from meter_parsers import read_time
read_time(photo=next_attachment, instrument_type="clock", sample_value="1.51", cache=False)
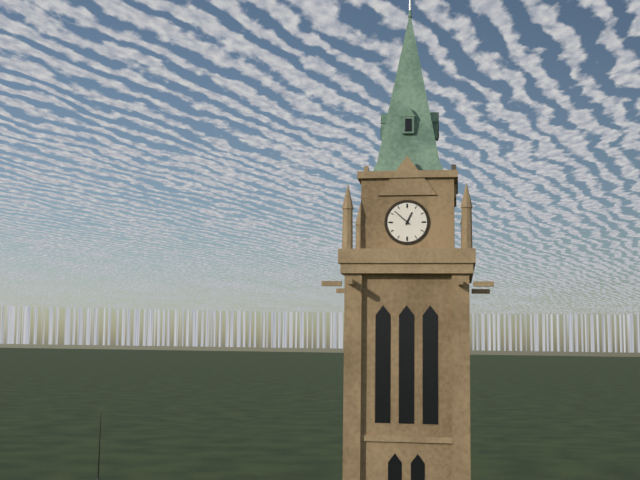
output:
12.52
